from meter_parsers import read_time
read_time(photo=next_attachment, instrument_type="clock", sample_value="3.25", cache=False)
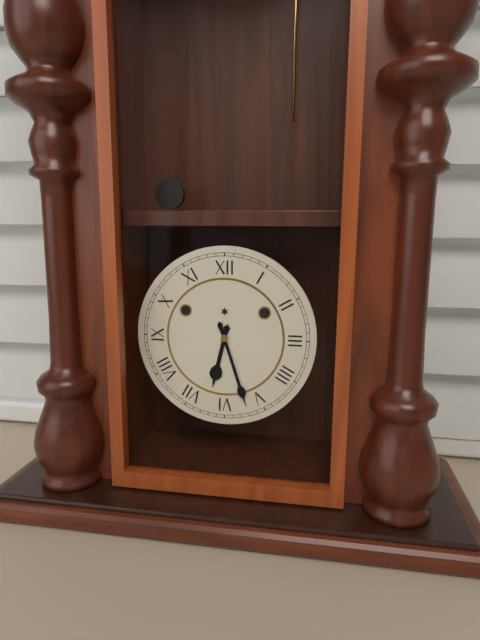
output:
6.27
